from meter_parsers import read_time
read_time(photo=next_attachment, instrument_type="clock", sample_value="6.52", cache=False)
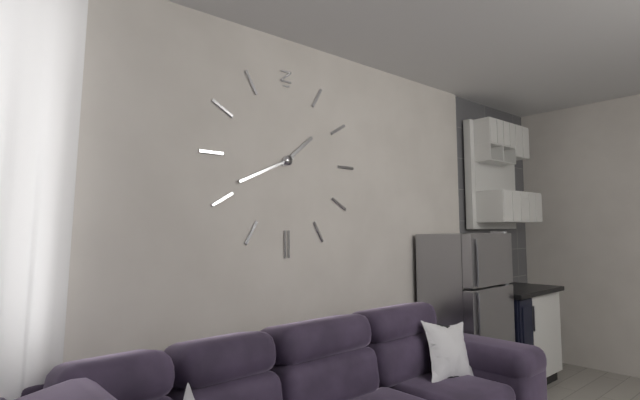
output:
1.41
